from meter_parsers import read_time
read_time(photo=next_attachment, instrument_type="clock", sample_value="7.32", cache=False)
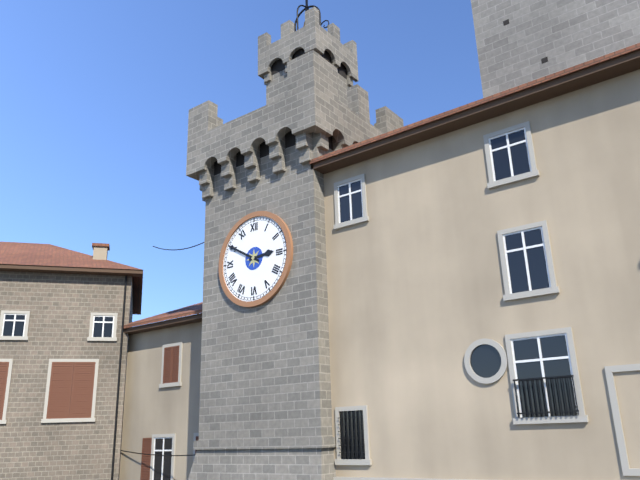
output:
2.50
